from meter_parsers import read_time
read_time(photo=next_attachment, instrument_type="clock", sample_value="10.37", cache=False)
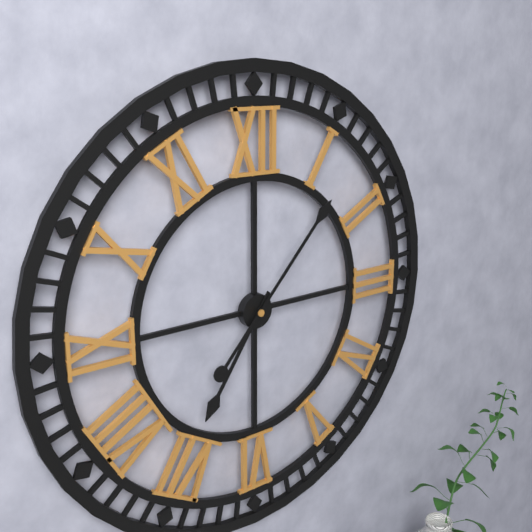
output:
7.07
